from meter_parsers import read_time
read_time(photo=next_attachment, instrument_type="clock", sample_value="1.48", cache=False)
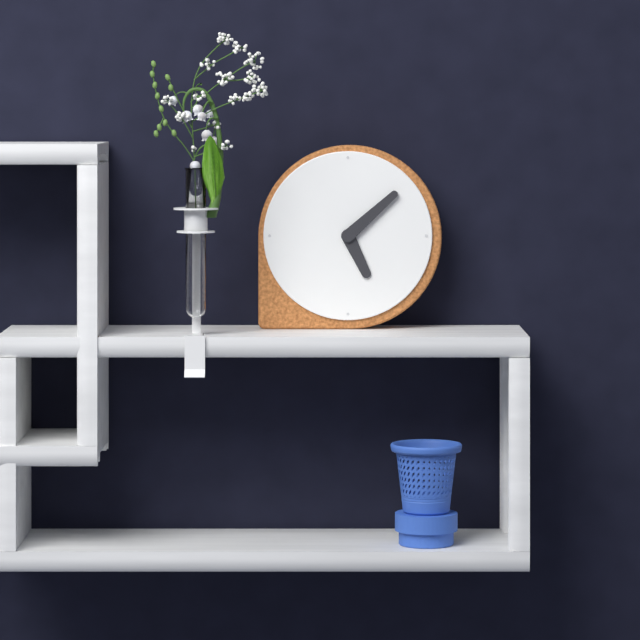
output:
5.08
